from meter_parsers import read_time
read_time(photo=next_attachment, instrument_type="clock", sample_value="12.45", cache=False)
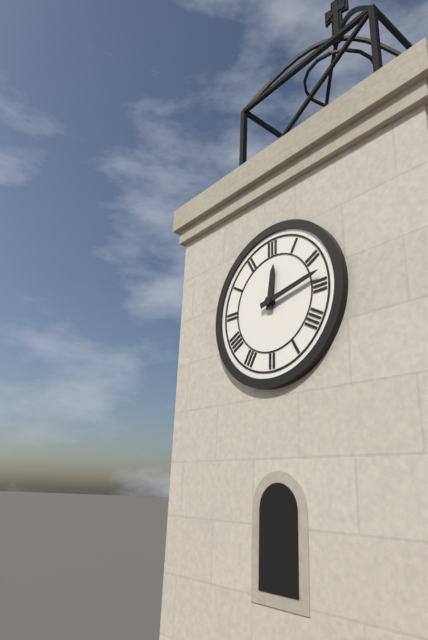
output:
12.13
